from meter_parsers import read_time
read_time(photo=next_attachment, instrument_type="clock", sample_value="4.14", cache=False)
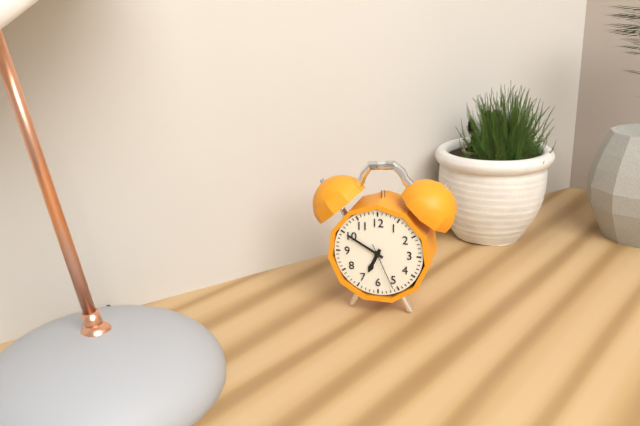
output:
6.50
